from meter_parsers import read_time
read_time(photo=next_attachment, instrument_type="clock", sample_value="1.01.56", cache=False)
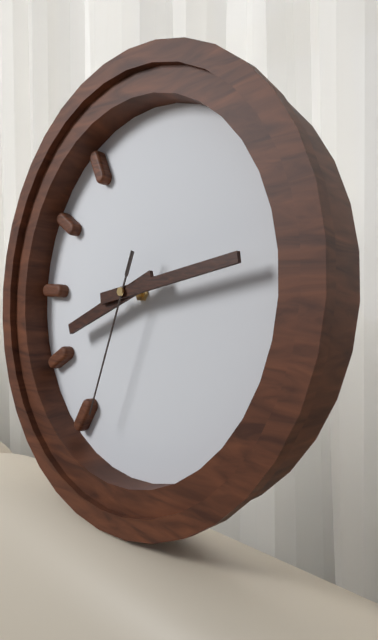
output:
8.13.33
